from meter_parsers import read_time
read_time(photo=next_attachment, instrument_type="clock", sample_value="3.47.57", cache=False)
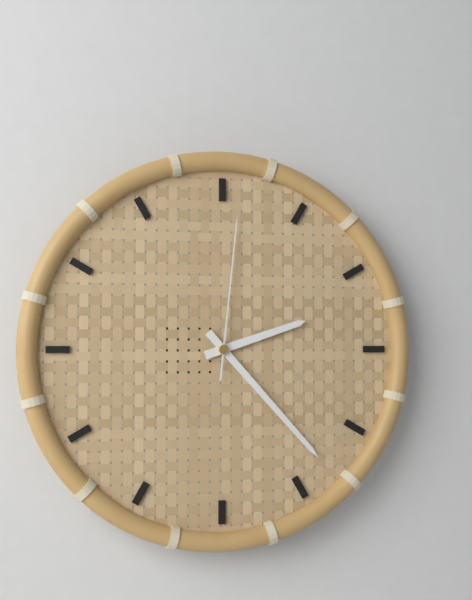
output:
2.23.01
